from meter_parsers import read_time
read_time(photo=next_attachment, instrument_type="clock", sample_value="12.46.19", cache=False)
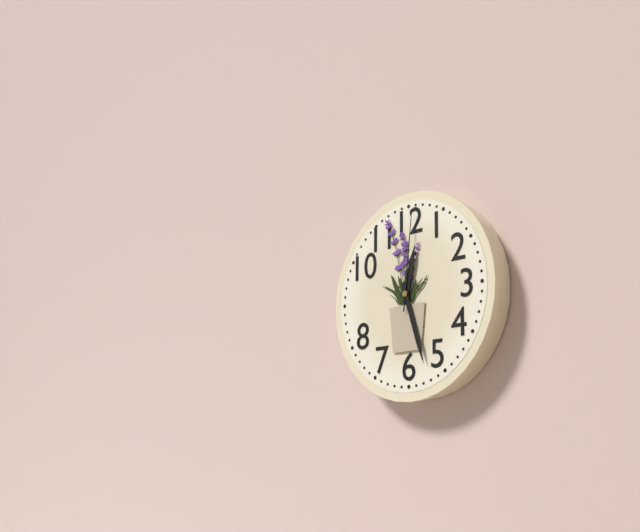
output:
12.27.01
